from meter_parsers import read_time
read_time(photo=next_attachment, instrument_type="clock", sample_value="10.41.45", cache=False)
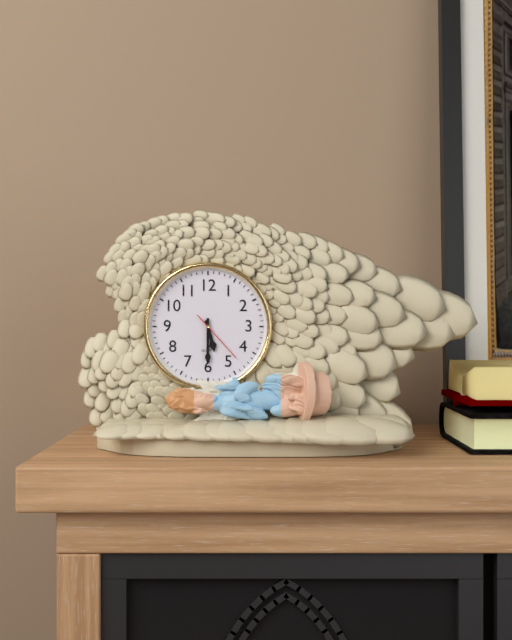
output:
5.30.23
